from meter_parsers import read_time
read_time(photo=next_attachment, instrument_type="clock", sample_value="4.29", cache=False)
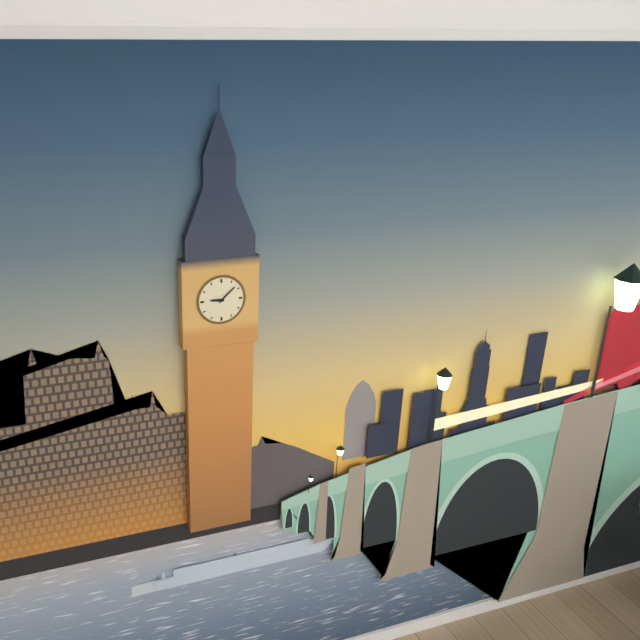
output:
9.08
